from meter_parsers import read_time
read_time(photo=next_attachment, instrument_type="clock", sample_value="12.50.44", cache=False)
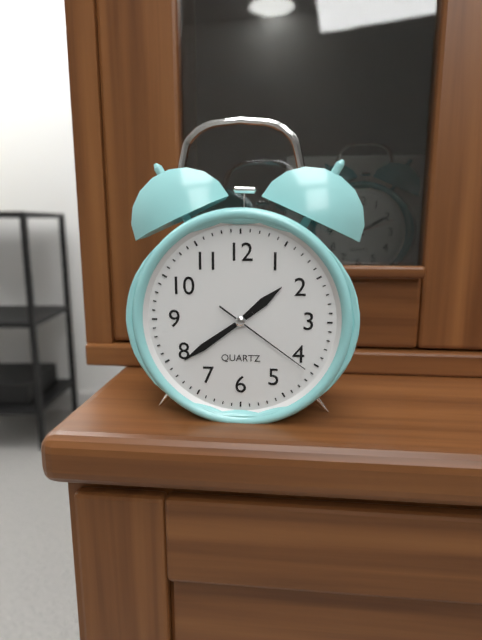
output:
1.39.21
